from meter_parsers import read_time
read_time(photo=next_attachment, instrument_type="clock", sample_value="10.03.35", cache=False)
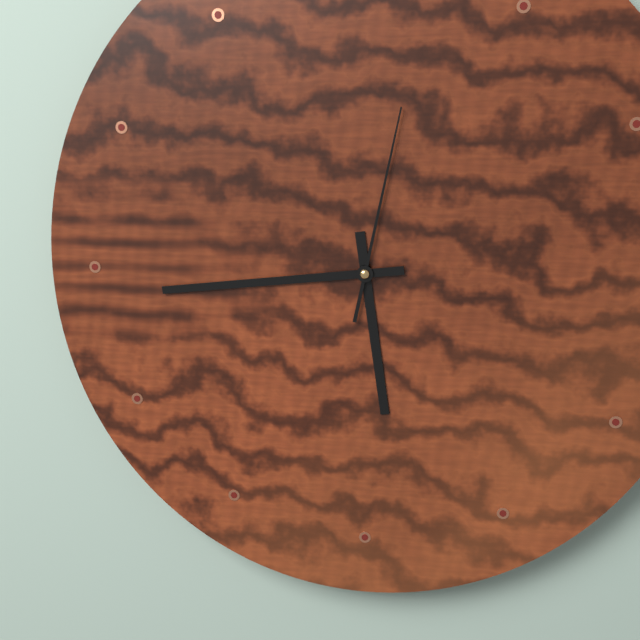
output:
5.44.02
